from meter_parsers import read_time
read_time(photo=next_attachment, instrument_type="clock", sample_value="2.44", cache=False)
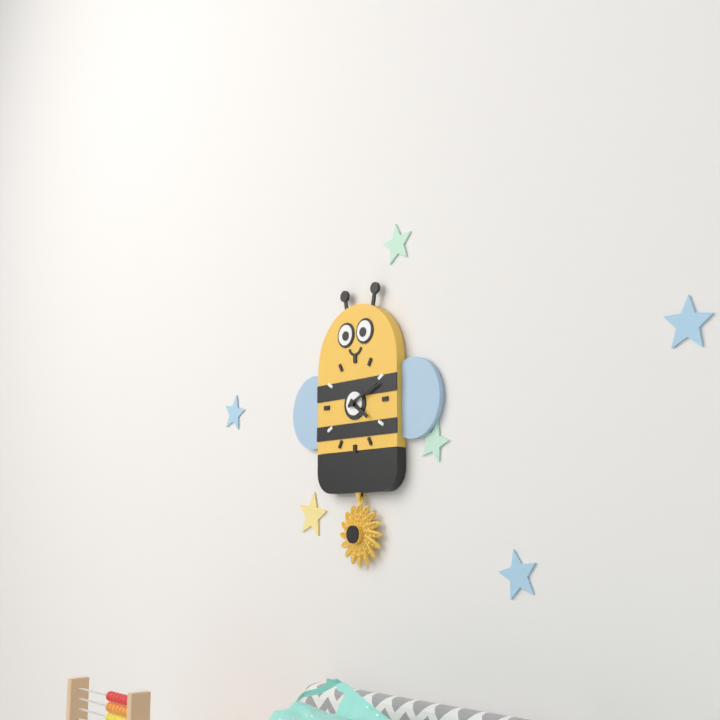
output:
4.11
